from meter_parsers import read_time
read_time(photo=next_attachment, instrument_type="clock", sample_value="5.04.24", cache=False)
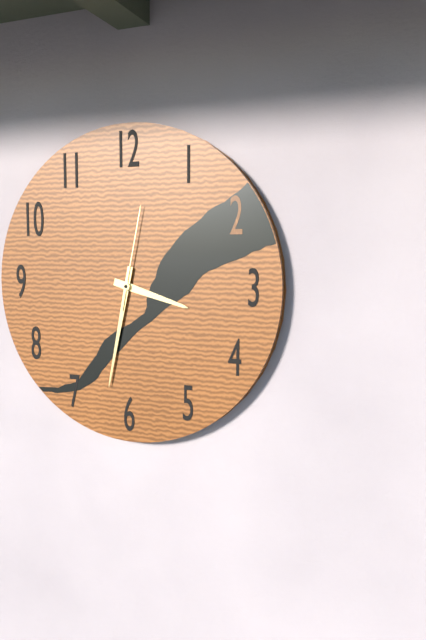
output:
3.32.02
